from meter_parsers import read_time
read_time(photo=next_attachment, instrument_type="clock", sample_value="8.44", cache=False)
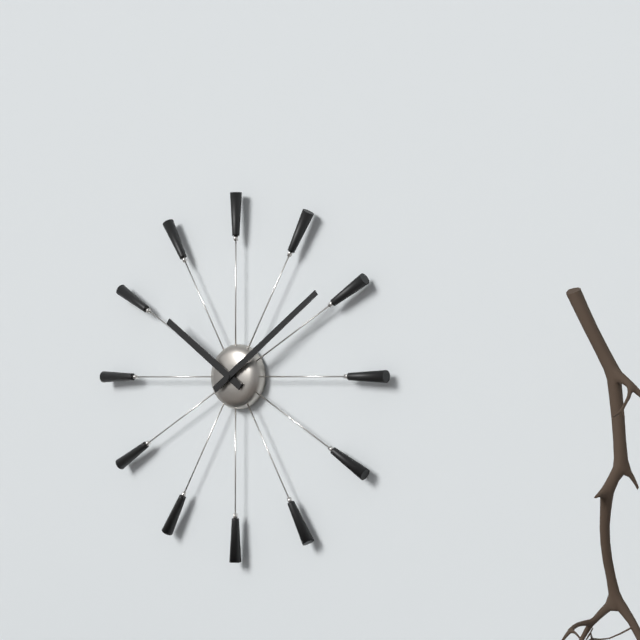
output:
10.09
